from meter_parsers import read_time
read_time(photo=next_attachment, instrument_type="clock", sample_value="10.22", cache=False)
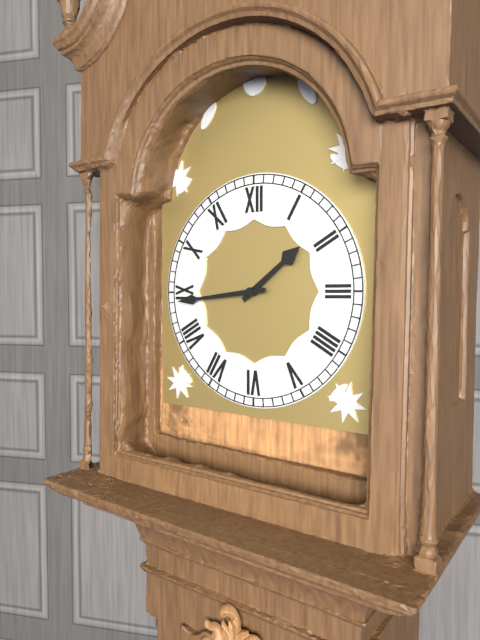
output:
1.44
